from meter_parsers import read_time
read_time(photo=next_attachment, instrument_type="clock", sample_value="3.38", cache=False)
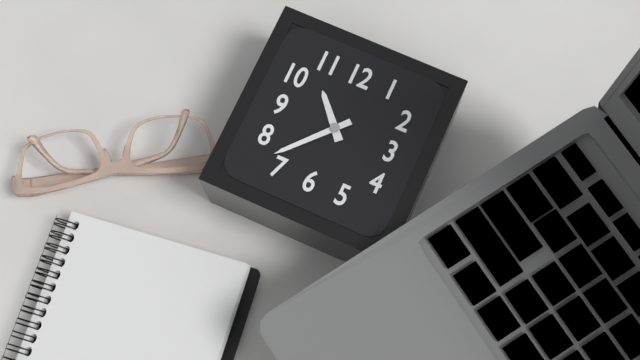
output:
10.37
